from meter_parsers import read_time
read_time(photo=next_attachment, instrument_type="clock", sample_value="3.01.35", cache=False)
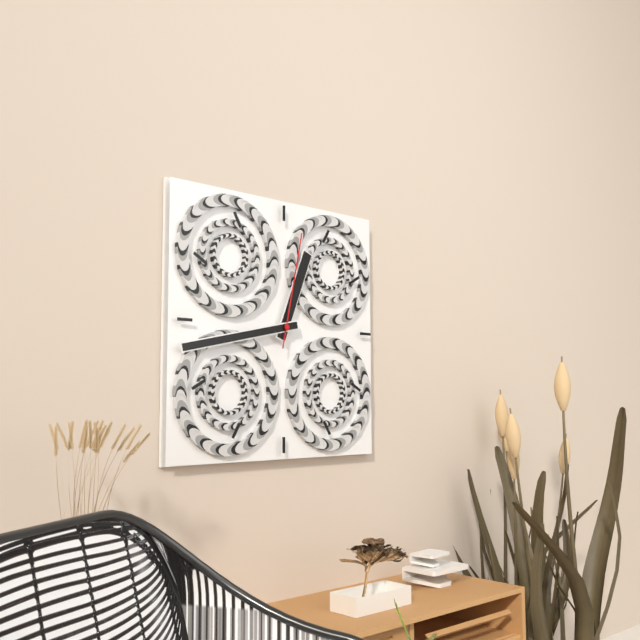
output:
12.43.02
